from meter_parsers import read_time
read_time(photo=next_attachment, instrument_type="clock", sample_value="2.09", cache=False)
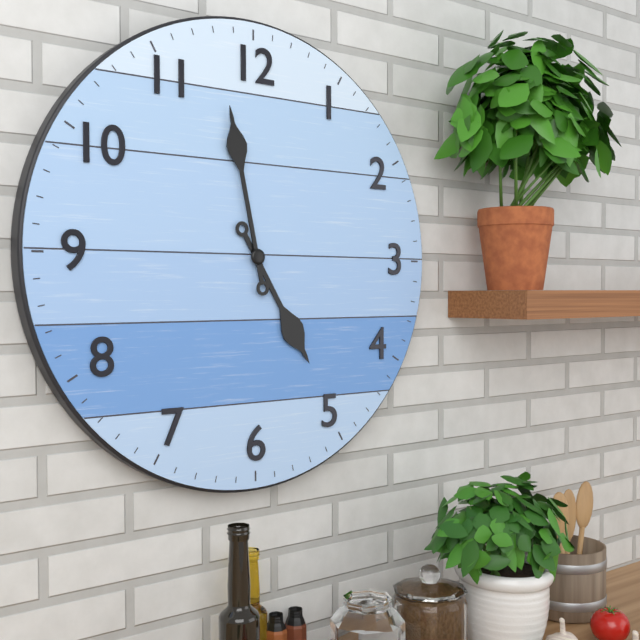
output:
4.58
